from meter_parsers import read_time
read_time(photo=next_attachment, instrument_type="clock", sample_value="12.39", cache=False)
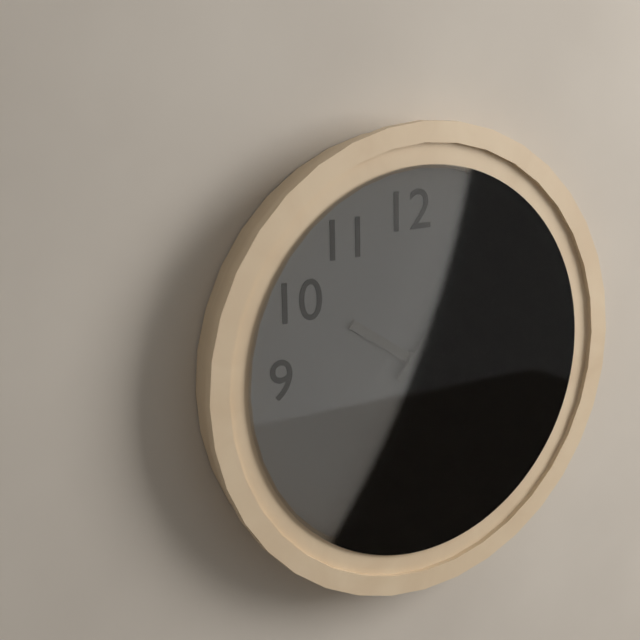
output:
10.07
